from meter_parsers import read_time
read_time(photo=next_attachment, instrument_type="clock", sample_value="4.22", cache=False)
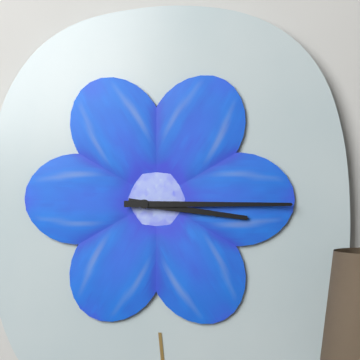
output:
3.15
